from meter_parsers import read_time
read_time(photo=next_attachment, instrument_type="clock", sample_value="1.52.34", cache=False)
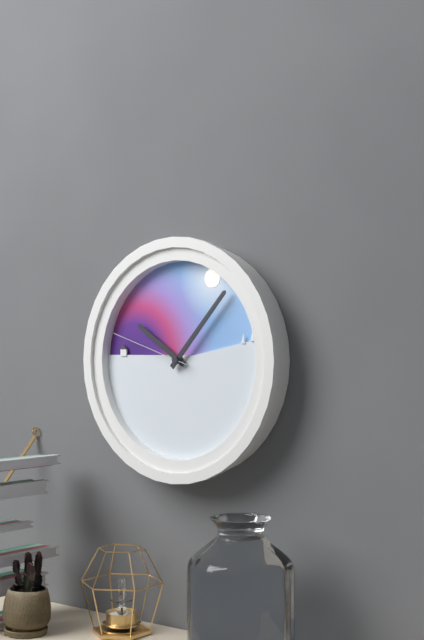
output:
10.07.48
